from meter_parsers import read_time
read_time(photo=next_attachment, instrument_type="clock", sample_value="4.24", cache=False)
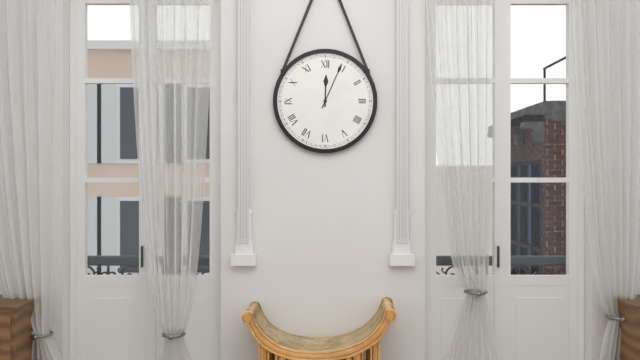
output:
12.04
